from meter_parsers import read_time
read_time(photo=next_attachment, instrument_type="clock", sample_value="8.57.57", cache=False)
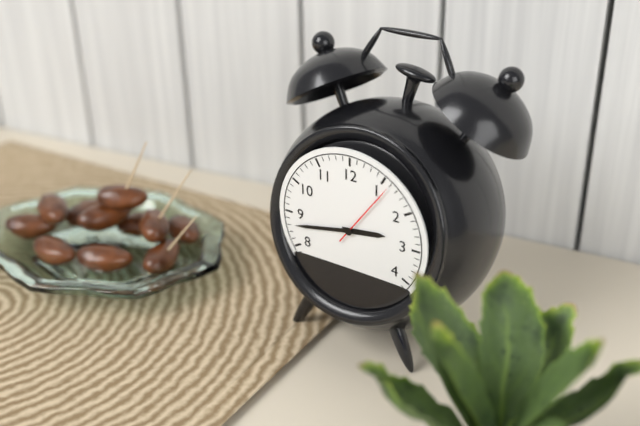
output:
2.43.06
